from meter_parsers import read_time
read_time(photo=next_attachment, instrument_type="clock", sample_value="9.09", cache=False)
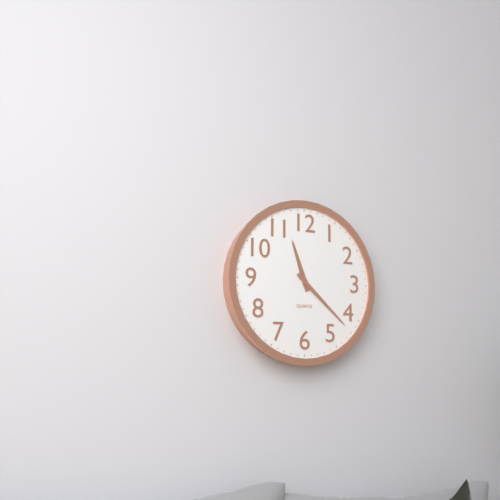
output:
11.22
